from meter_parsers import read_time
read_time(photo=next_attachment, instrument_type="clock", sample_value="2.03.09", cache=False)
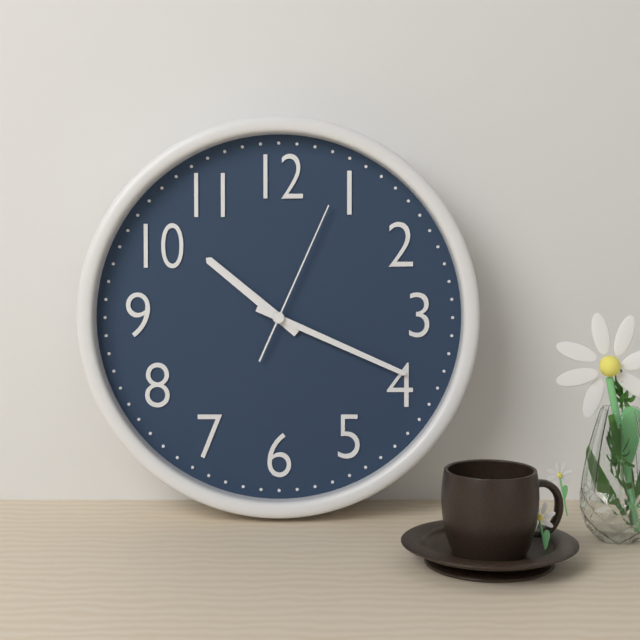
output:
10.19.04
